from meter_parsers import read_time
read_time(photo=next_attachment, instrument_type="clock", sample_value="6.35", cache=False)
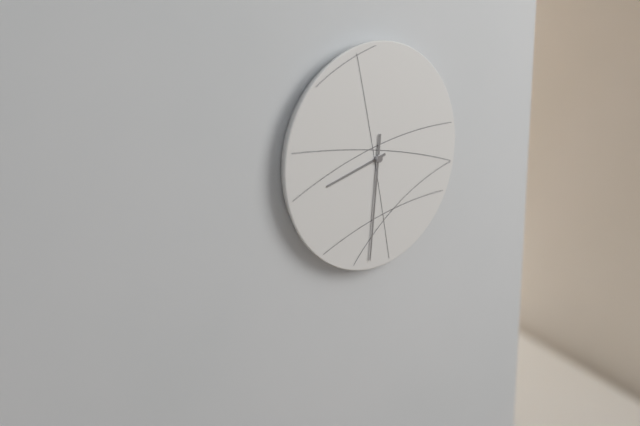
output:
8.31
